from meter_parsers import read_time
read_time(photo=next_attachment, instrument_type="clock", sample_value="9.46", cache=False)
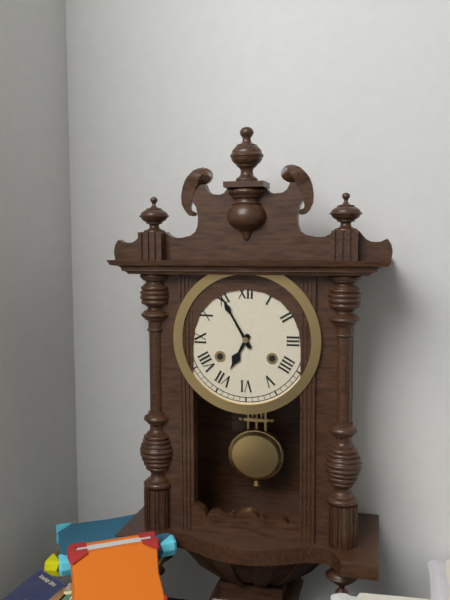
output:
6.55
